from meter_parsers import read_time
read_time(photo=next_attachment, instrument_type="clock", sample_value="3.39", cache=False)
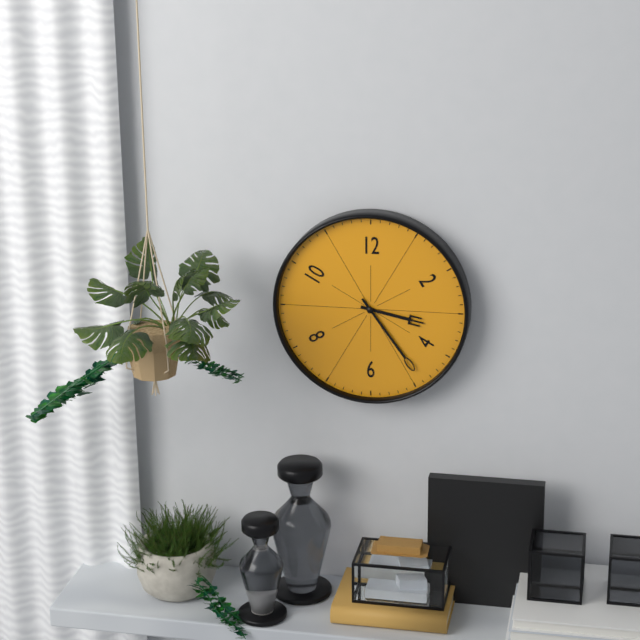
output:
3.24
